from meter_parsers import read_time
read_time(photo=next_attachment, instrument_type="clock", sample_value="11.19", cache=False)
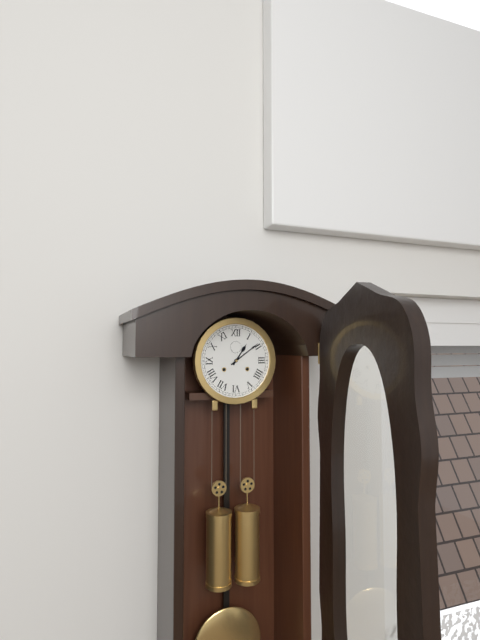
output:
1.09
